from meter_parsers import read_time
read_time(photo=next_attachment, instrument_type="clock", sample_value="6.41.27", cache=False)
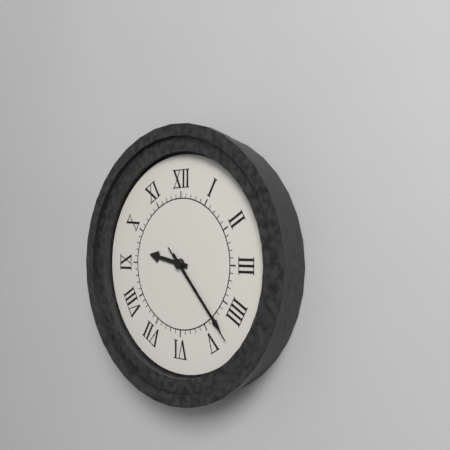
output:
9.23.23
